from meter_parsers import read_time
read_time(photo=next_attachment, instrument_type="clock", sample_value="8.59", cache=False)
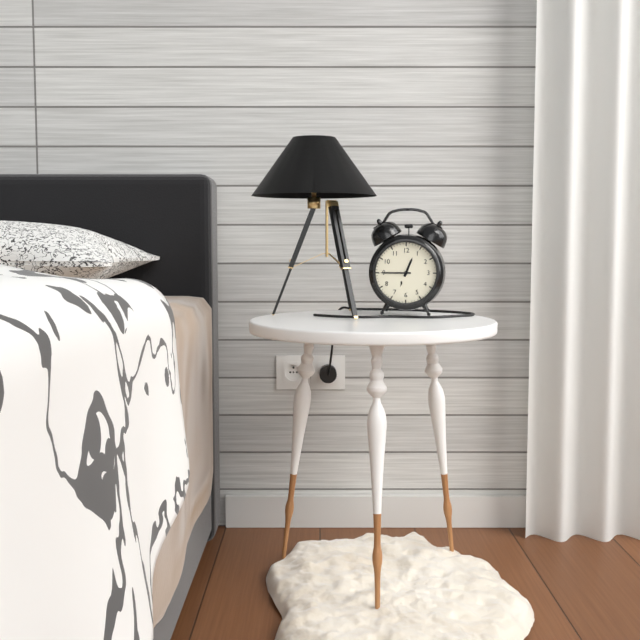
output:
12.45
